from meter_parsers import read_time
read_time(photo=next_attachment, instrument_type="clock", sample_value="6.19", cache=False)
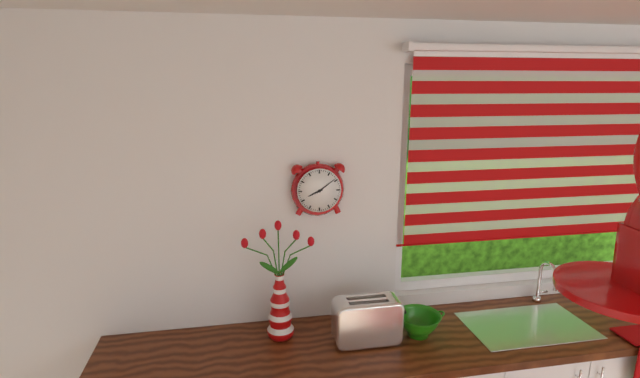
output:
8.09
